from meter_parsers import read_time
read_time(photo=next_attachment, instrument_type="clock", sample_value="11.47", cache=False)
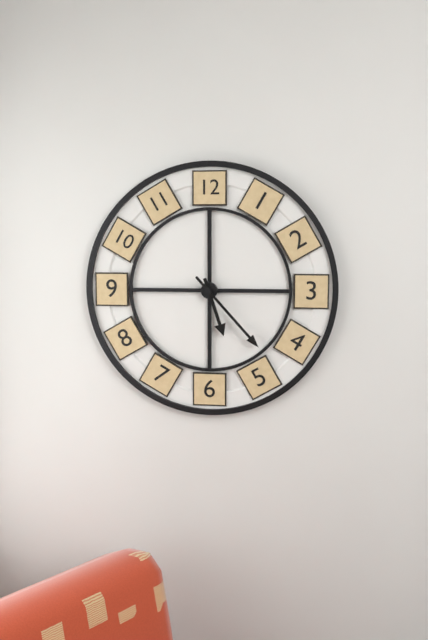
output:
5.23
